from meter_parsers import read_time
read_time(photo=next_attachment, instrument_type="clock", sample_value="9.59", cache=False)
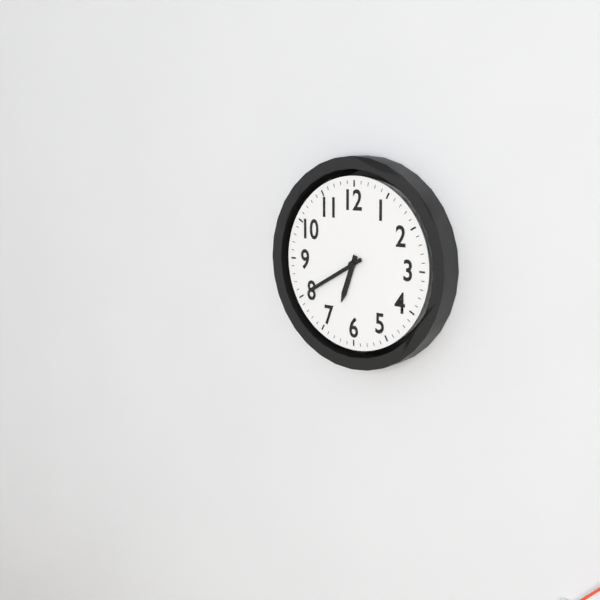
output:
6.40
